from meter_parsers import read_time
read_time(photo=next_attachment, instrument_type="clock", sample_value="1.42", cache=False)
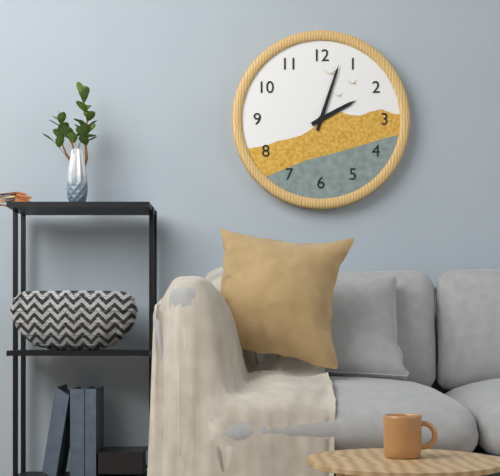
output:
2.03
